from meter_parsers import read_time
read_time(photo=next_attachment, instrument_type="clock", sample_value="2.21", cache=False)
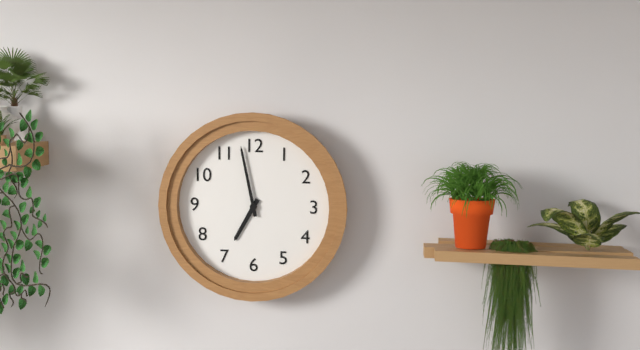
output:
6.58
